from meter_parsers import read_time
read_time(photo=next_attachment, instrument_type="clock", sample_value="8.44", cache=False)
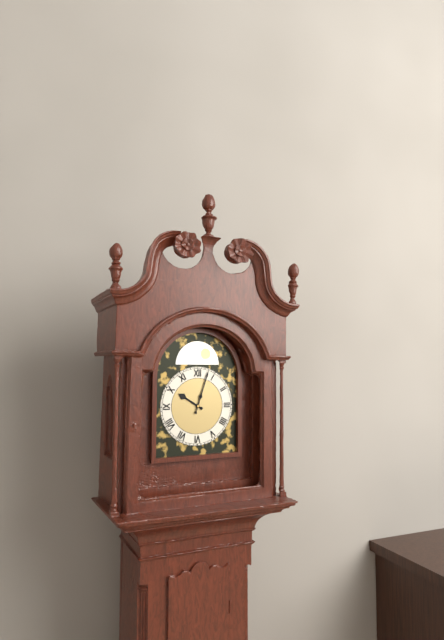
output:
10.03
